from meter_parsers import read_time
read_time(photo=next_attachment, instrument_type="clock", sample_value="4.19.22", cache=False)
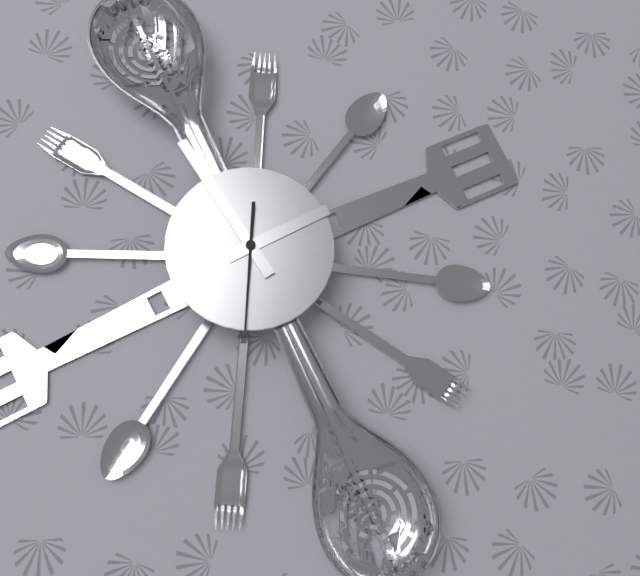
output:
2.59.35
